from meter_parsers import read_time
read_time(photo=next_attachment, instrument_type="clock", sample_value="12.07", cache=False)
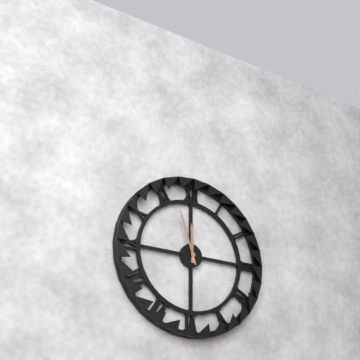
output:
11.57
